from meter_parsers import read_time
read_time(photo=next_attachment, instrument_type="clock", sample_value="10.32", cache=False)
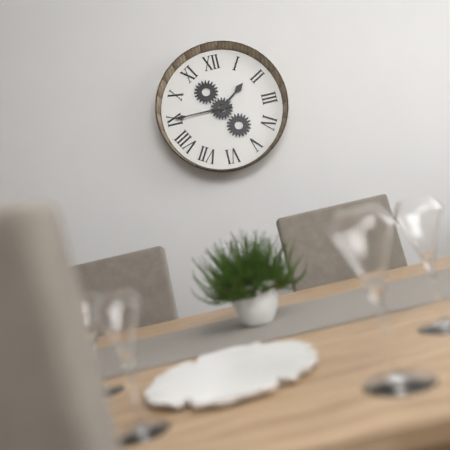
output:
1.45
